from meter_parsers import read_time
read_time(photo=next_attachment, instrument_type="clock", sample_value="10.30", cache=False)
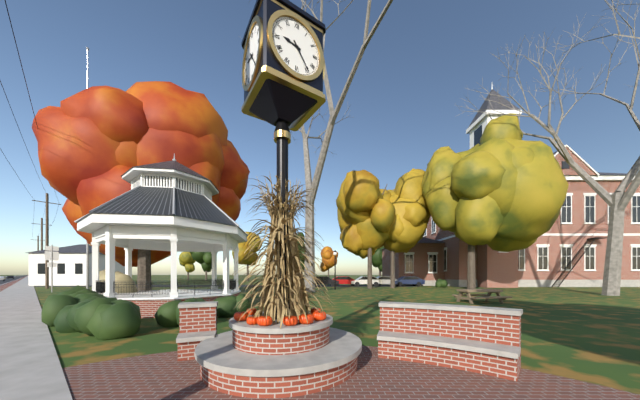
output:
9.24
